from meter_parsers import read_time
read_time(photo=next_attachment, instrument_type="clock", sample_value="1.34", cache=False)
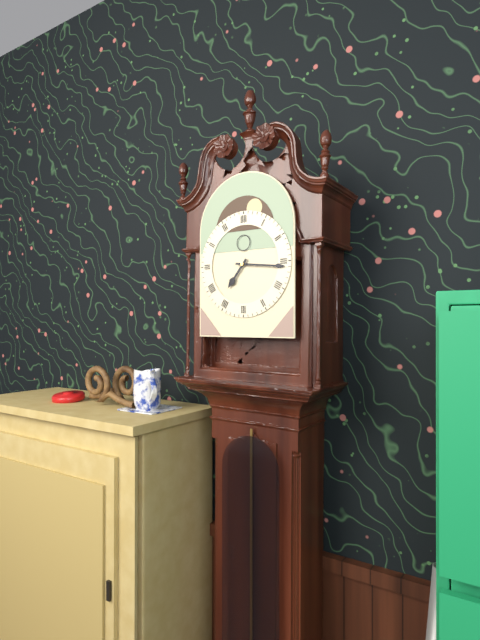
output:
7.16
